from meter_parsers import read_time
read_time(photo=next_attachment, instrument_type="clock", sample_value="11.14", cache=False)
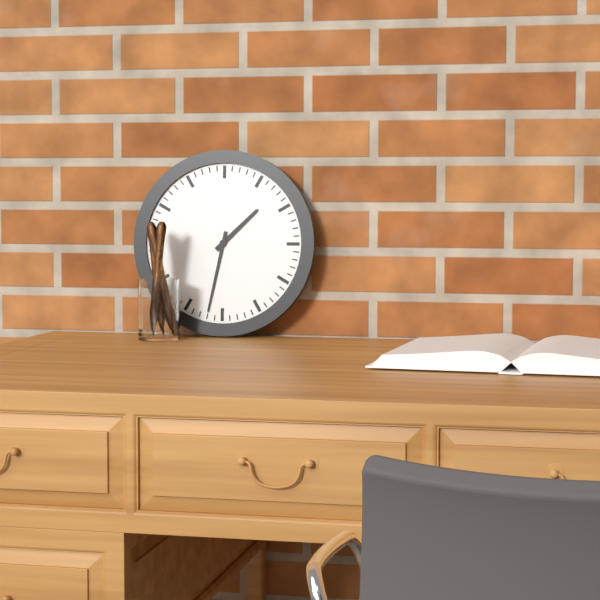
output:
1.32
